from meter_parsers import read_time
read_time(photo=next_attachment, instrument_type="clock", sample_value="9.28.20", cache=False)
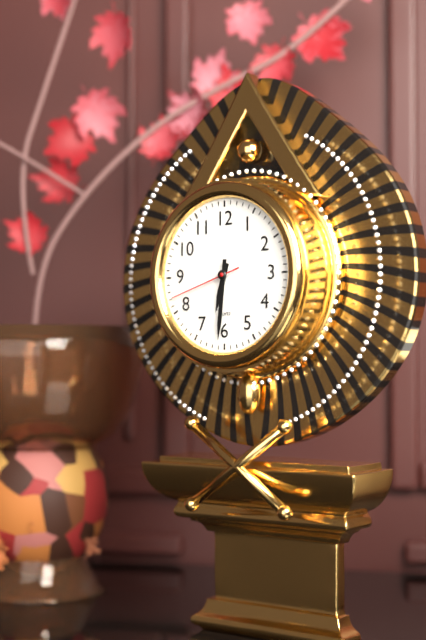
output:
6.31.42
